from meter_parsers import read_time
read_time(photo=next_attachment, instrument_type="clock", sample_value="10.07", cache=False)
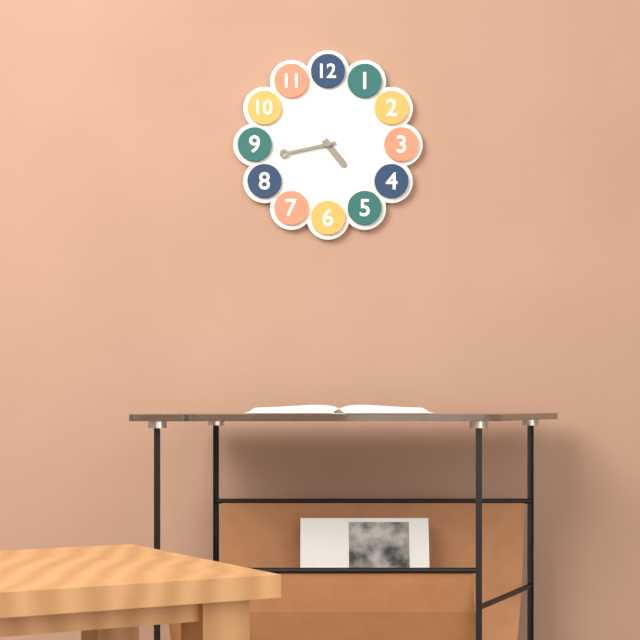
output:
4.43
